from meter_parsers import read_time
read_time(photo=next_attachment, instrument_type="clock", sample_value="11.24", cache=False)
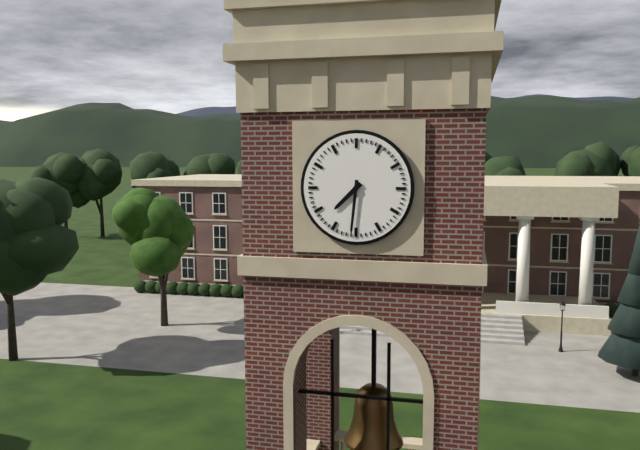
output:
7.31
